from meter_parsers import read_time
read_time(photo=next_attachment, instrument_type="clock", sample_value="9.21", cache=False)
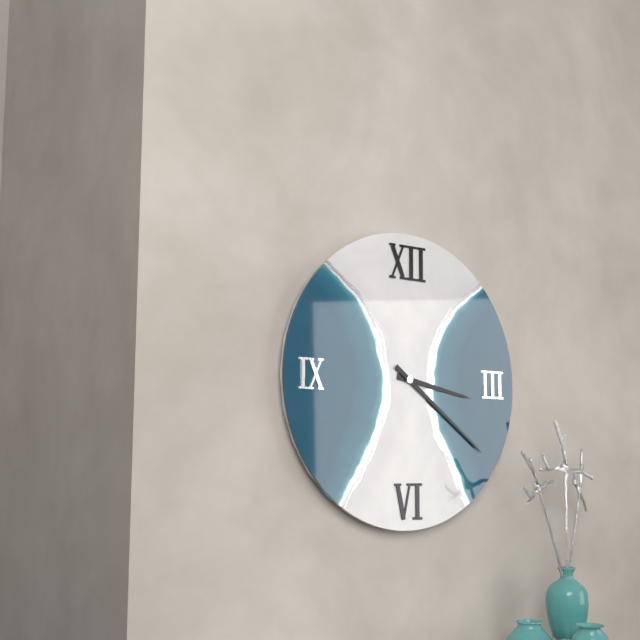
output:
3.21
